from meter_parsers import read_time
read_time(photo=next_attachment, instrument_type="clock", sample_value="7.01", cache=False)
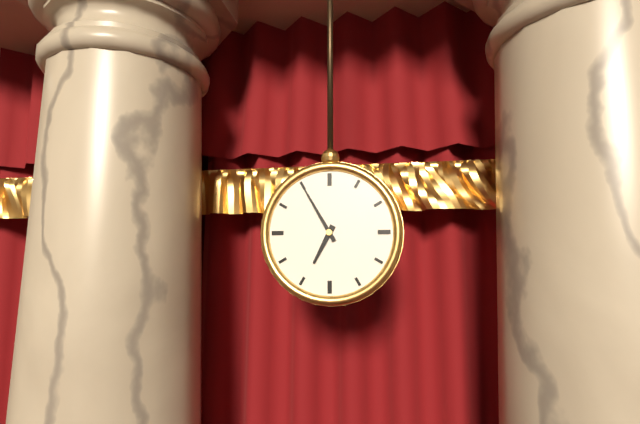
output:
6.55
